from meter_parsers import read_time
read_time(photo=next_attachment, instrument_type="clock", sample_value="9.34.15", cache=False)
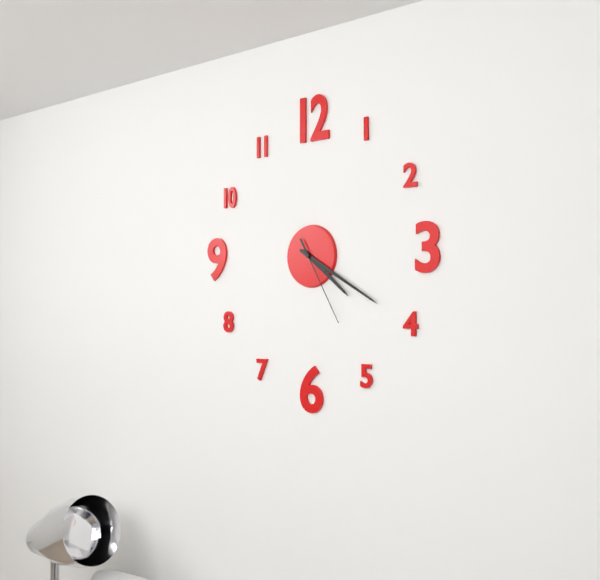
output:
4.20.25
